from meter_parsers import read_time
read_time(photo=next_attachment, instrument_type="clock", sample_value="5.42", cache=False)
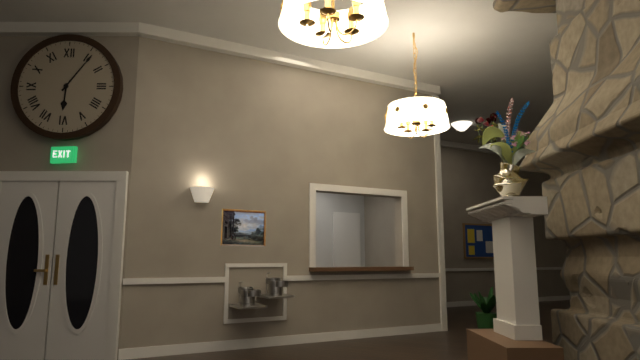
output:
6.06
